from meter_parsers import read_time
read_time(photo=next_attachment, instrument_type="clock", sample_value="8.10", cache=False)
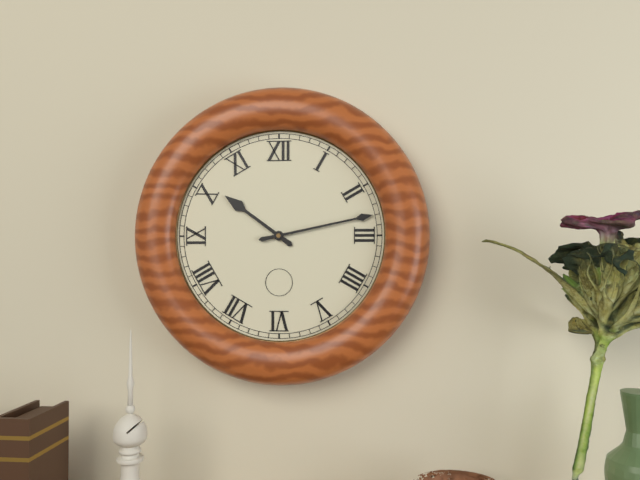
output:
10.13
